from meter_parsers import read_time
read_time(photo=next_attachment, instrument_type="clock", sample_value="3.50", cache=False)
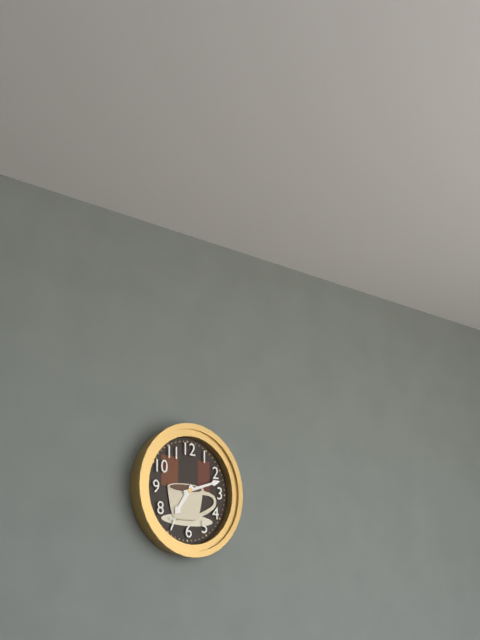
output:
7.12
